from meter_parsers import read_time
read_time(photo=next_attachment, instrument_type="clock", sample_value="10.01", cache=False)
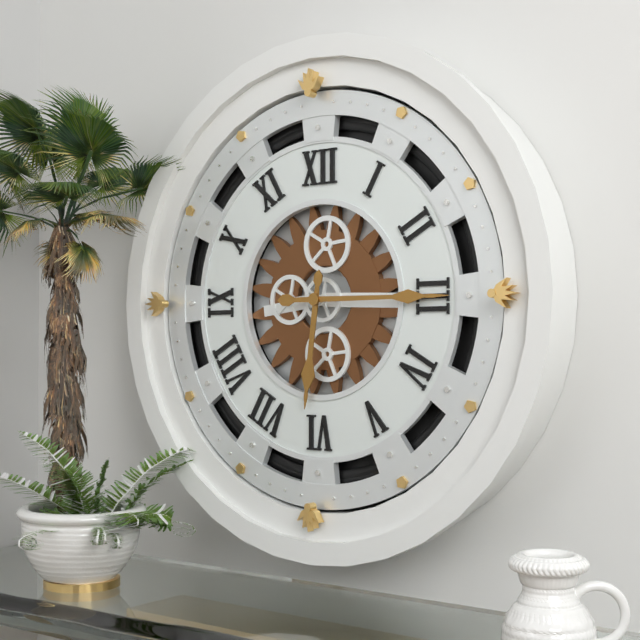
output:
6.15
